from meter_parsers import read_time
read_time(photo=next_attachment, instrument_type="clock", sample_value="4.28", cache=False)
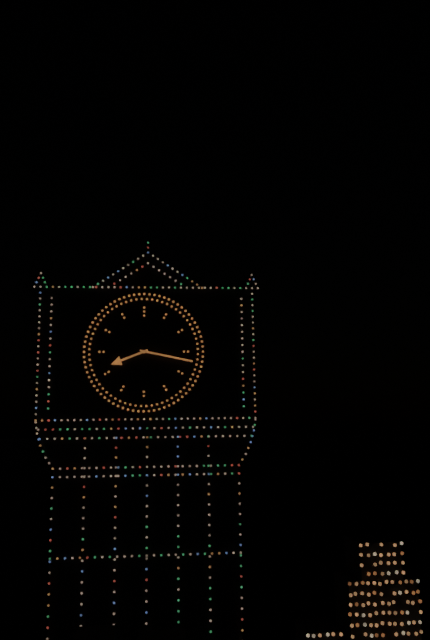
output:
8.17
